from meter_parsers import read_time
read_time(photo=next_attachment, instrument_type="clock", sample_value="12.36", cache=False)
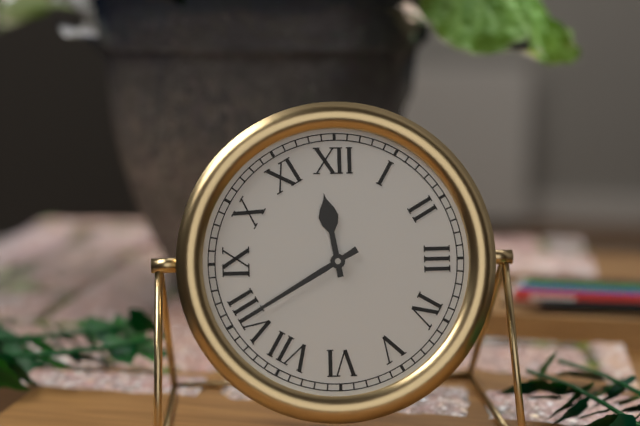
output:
11.40
